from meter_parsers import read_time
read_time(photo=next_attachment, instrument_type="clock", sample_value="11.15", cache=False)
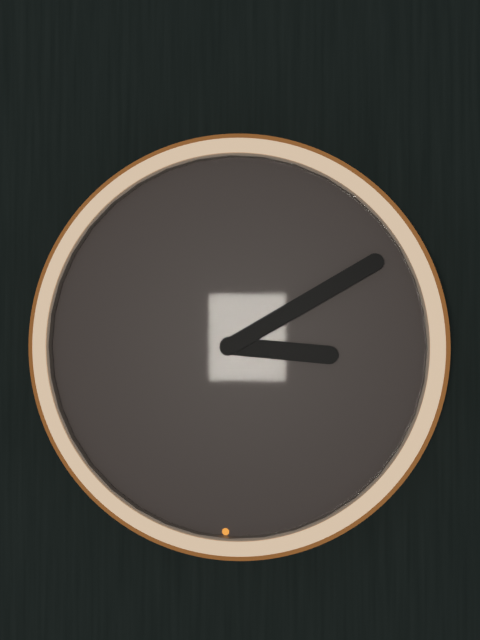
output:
3.10
